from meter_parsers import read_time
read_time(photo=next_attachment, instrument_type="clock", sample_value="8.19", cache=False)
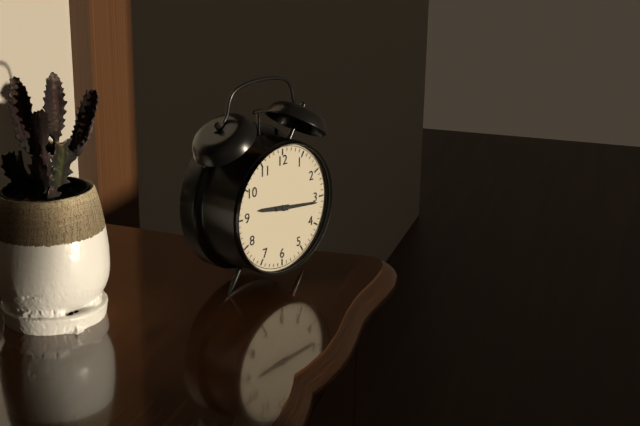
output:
9.16
